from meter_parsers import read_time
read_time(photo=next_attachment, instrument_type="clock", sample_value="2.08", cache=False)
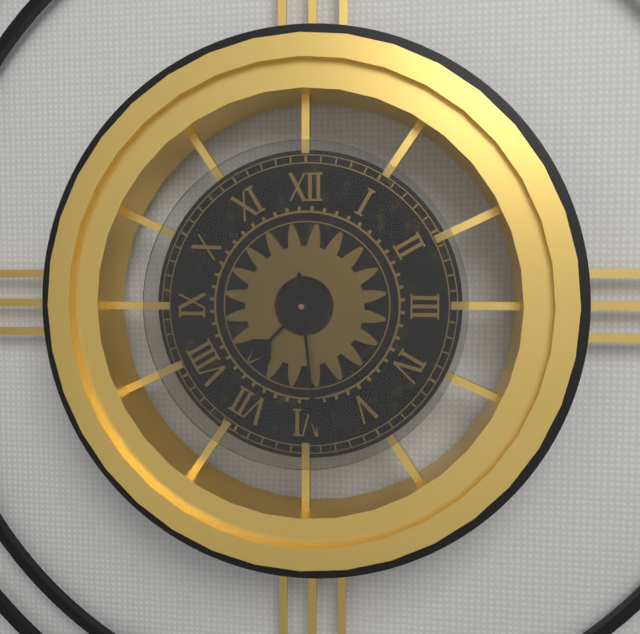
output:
7.29
